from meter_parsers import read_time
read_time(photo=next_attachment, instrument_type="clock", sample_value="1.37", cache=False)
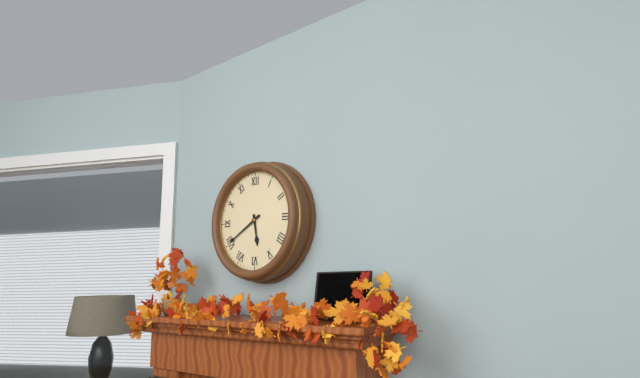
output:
5.40
